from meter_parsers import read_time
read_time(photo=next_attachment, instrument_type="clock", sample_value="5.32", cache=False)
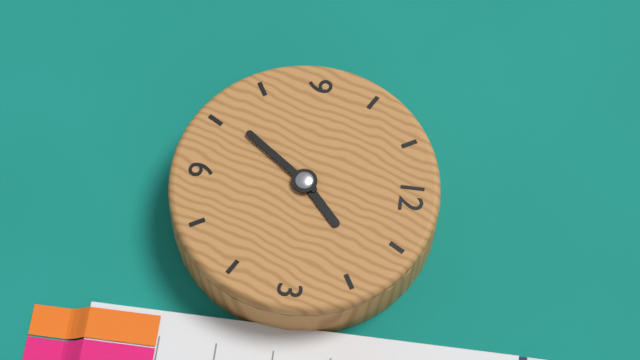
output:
1.36
